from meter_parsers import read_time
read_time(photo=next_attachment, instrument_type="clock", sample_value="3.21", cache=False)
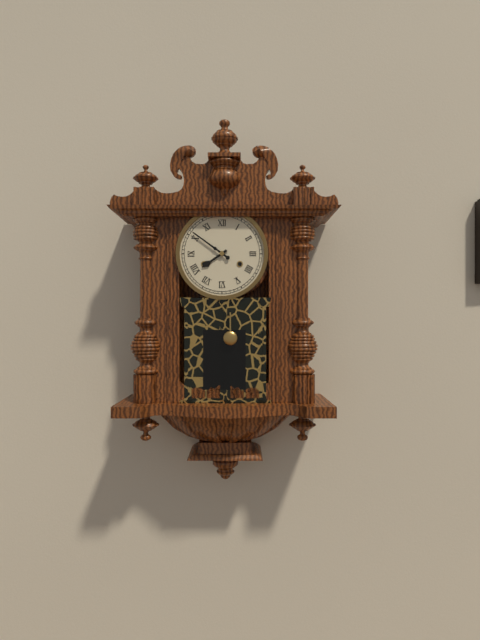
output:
7.51
